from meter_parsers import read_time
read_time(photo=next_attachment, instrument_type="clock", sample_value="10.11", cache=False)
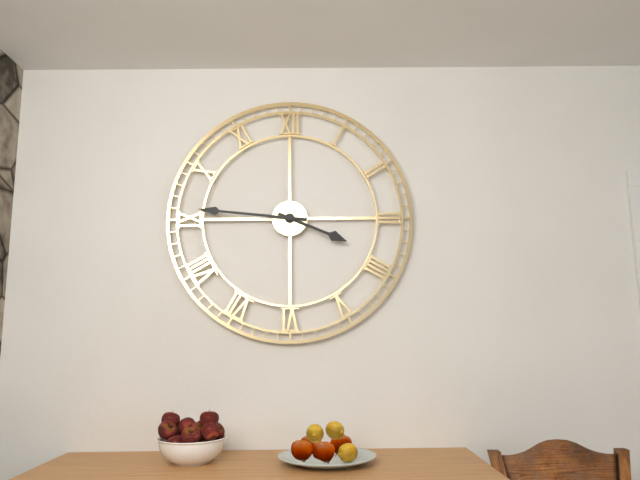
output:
3.46
